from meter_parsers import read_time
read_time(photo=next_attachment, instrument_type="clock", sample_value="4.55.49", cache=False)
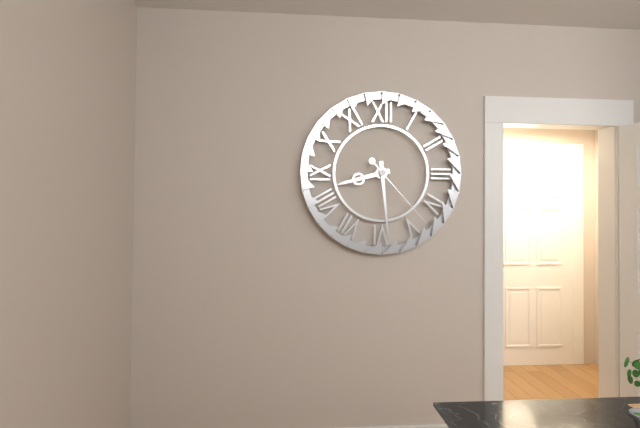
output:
8.29.23
